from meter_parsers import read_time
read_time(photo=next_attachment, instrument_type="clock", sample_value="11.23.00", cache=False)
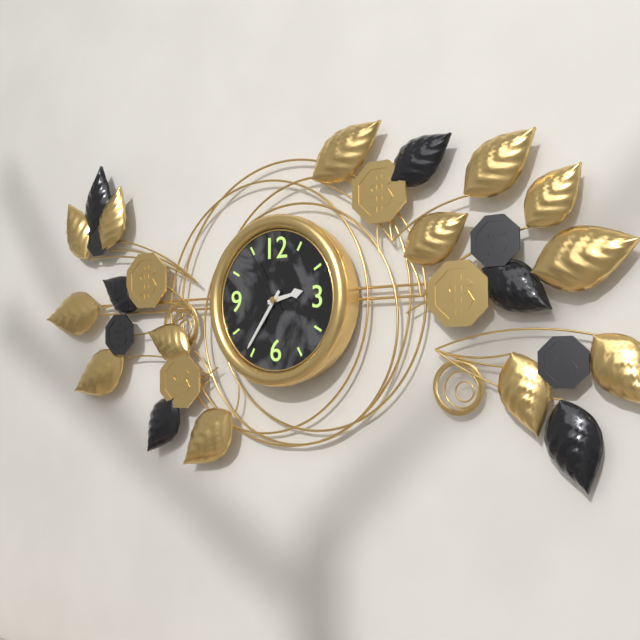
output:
2.36.55
